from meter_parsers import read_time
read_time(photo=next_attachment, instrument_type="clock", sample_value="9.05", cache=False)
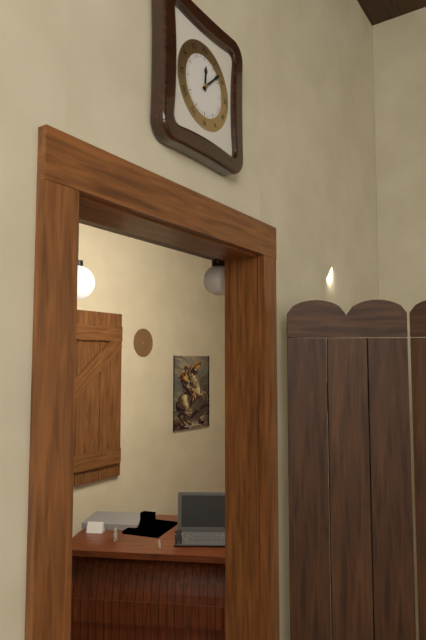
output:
12.08
